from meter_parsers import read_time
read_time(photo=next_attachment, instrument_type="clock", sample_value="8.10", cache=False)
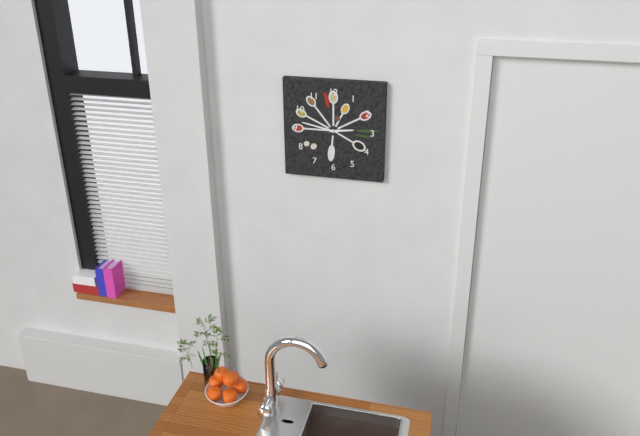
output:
2.47
